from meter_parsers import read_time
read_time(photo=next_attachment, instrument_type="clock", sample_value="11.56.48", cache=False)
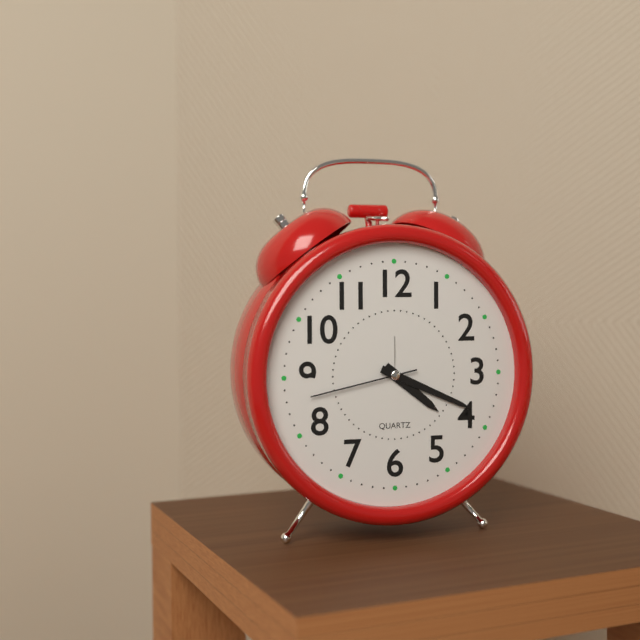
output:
4.19.43
